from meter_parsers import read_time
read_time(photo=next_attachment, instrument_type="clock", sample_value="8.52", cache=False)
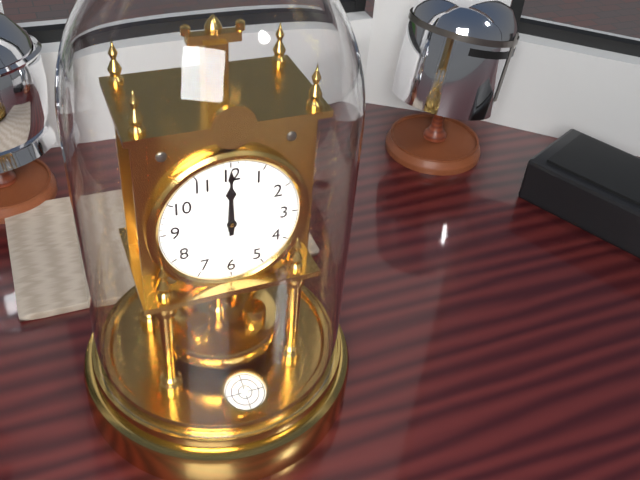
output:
12.00
